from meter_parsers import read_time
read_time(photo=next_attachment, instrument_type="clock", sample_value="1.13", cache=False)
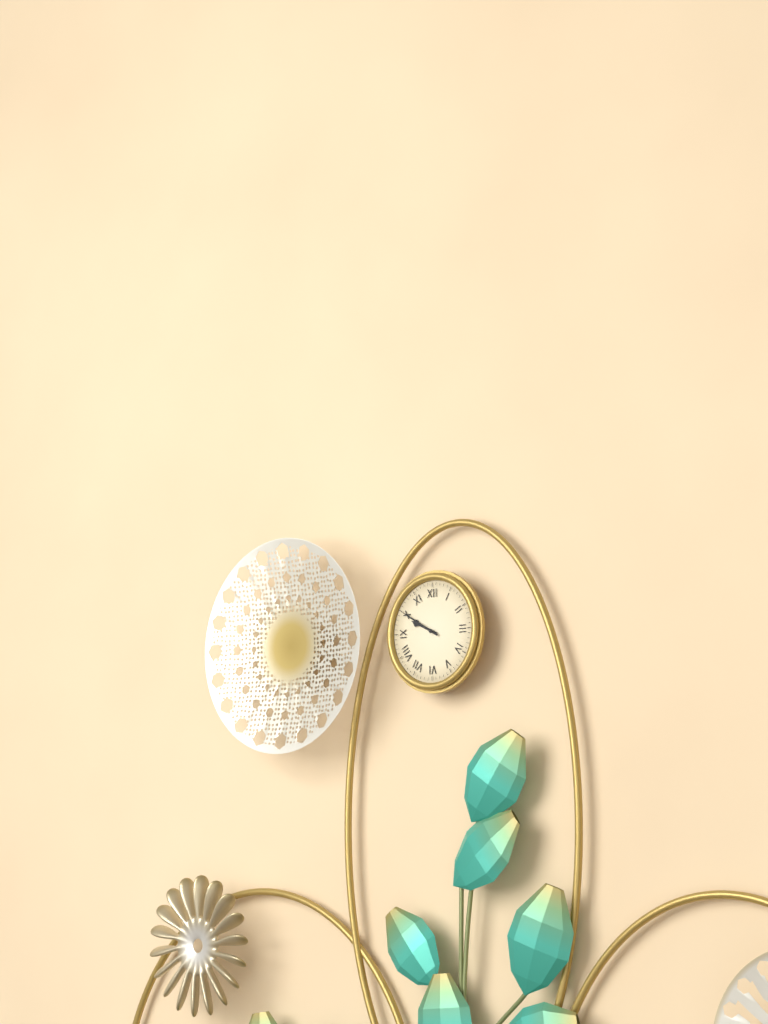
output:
9.50
